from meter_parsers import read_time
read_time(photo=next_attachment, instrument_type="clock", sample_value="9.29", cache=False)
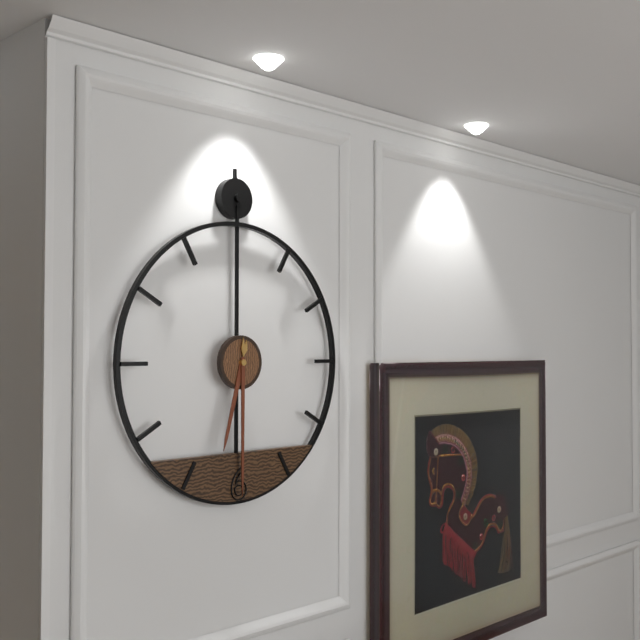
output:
6.30
